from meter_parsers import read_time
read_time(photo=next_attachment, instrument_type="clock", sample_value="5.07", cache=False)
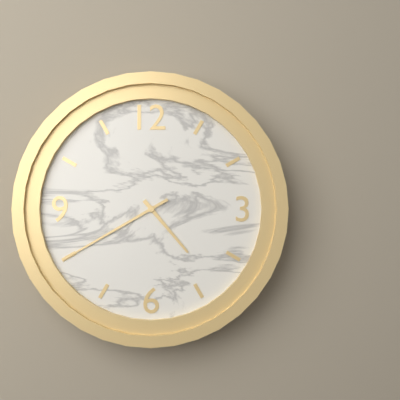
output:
4.40
